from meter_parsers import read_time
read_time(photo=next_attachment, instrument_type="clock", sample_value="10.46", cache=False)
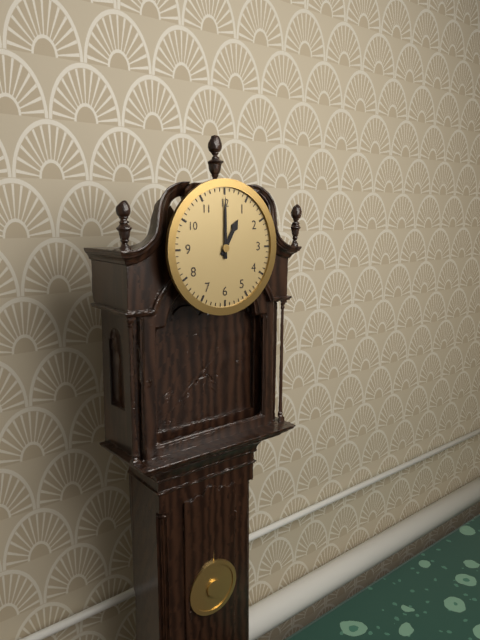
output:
1.00
